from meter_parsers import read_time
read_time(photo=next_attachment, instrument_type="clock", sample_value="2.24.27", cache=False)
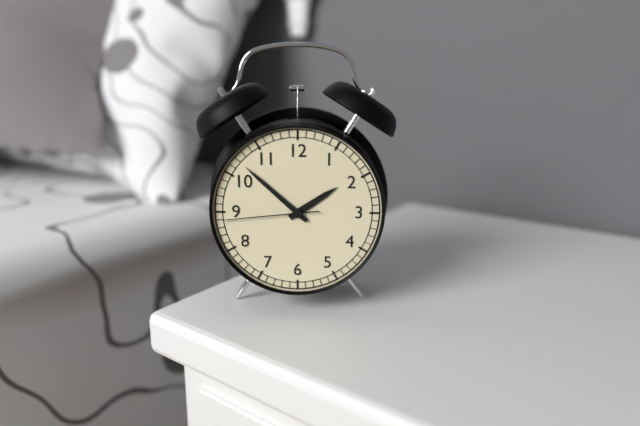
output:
1.52.44
